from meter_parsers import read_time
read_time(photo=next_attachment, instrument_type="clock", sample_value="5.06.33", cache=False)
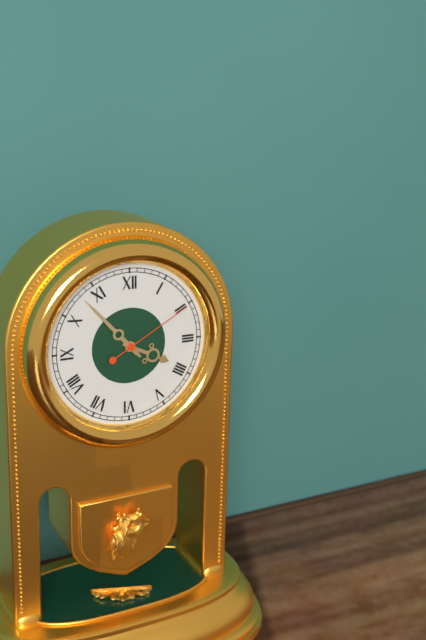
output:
3.53.10
